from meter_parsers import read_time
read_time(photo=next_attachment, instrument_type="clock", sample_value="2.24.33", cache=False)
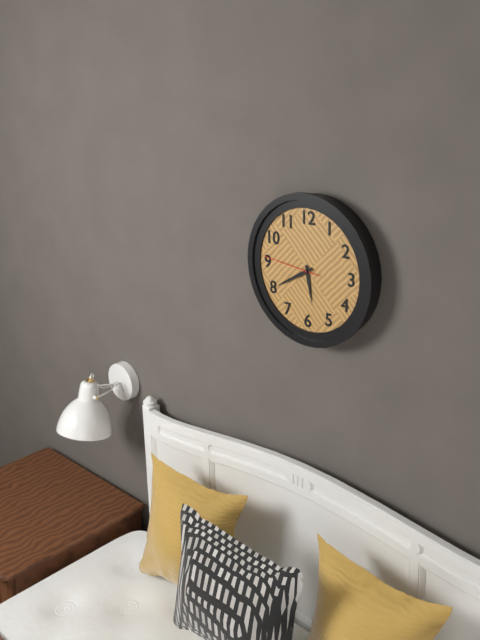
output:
5.40.46
